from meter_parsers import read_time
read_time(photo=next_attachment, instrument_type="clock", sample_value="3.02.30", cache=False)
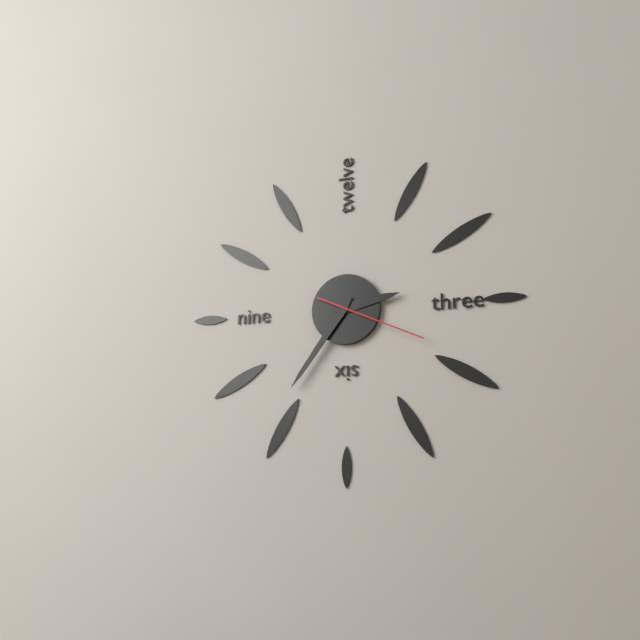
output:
2.36.19
